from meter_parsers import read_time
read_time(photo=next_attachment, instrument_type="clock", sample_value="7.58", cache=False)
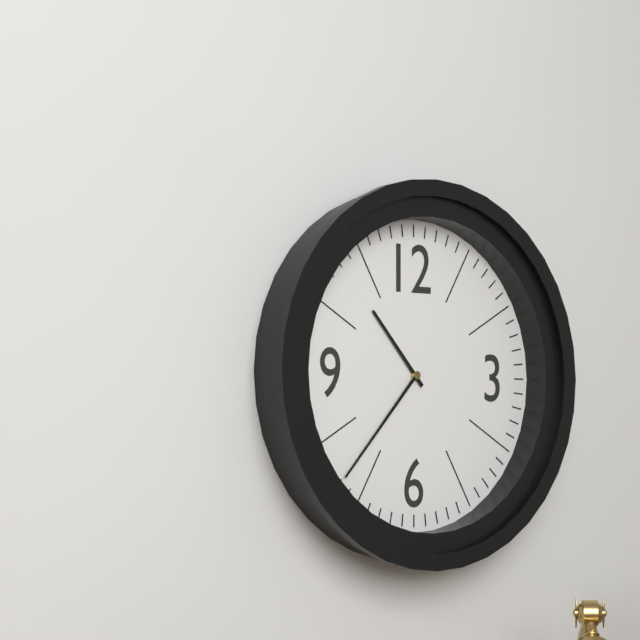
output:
10.37
